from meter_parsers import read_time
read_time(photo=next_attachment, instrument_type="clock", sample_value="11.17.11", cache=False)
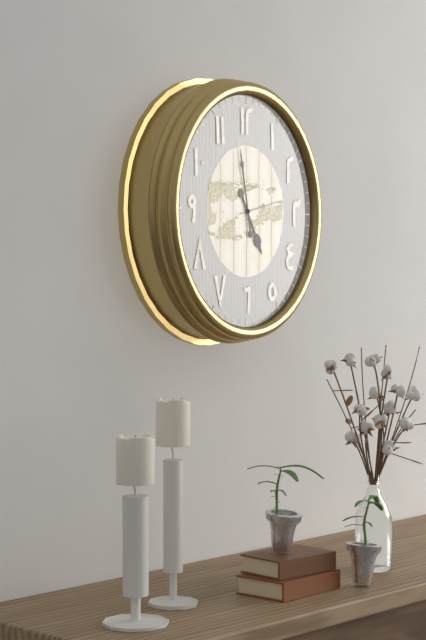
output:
4.58.13
